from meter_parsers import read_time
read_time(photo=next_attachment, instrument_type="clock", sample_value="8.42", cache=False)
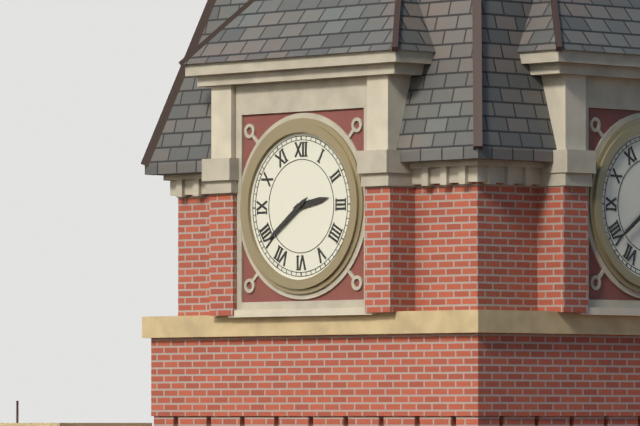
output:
2.39
